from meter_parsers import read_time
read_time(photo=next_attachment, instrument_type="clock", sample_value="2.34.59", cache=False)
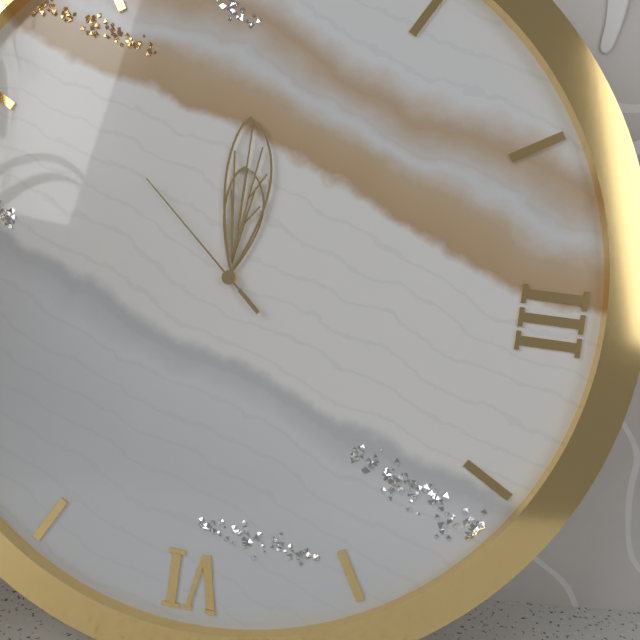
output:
12.00.52
